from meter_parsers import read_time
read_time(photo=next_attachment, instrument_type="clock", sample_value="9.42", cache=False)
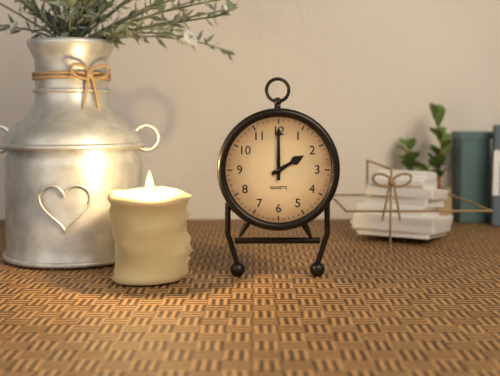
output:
2.00
